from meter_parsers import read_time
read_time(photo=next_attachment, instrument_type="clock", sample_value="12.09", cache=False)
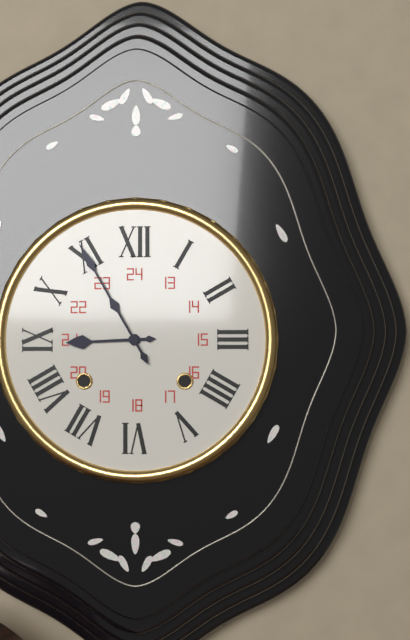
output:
8.55
